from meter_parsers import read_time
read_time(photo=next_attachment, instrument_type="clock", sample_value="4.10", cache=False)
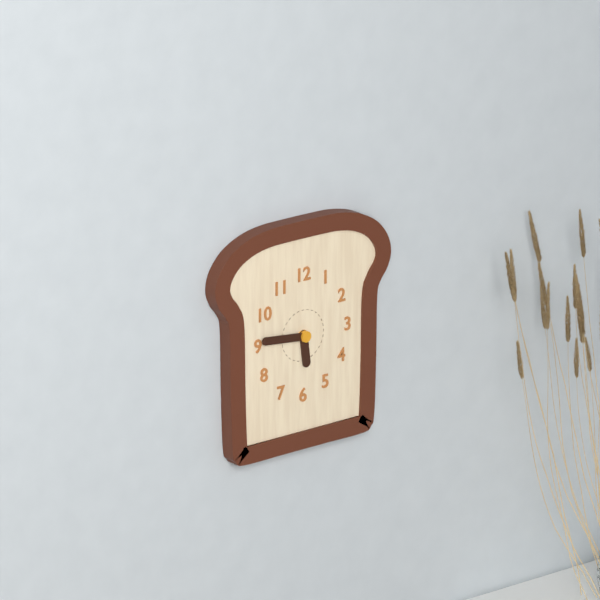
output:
5.46
